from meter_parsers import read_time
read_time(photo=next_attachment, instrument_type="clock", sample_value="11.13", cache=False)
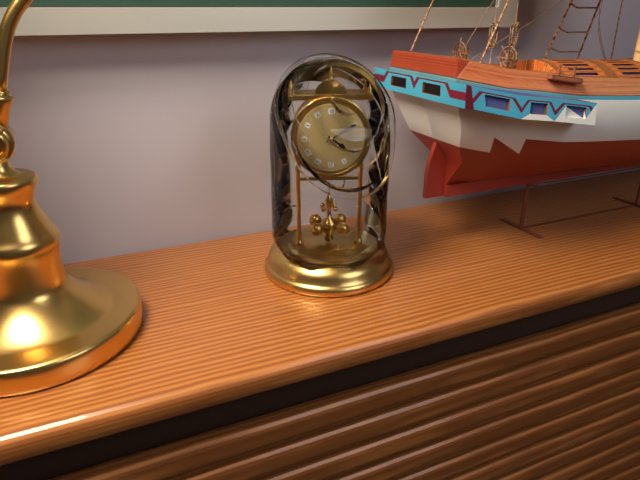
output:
4.10
